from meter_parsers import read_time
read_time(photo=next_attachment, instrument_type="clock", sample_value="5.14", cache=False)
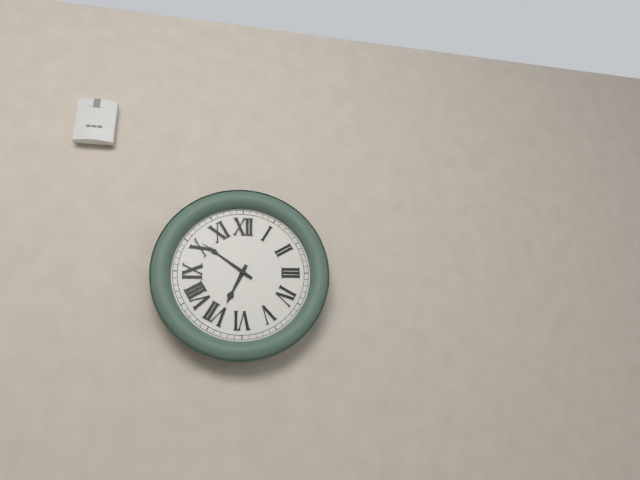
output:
6.51
